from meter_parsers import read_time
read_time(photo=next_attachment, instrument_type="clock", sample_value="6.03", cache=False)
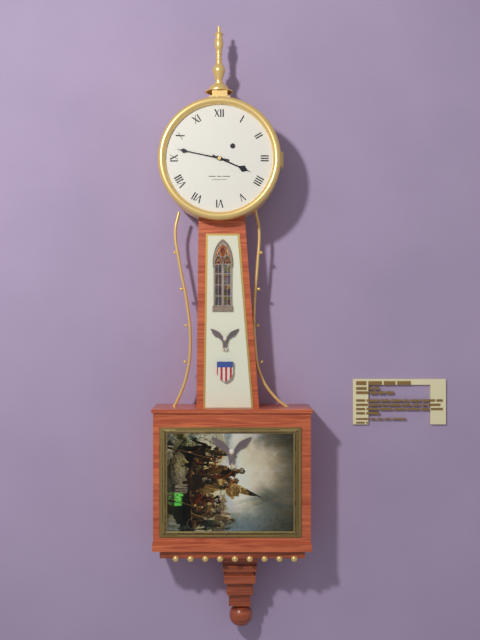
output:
3.47
